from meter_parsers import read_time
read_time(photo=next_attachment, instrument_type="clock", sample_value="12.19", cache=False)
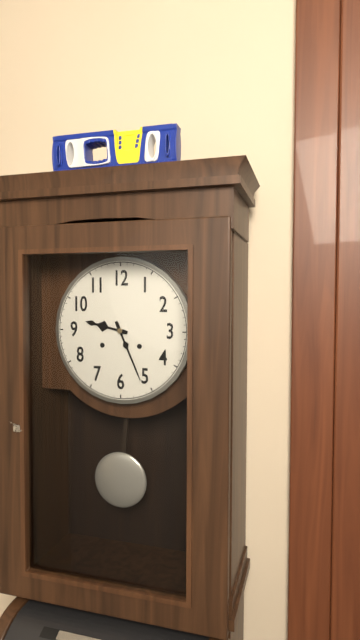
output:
9.26
